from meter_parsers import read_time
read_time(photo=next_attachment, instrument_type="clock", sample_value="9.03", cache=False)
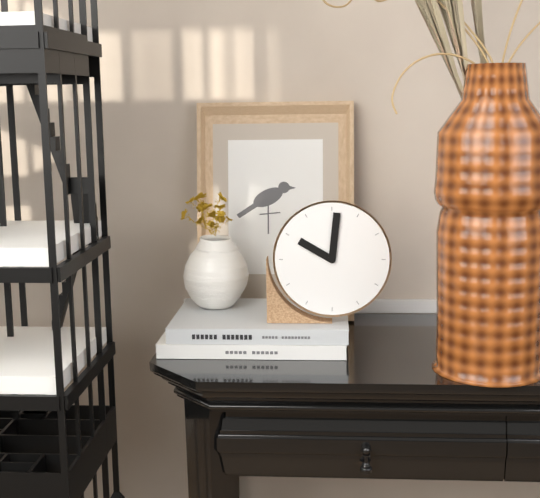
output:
10.01
